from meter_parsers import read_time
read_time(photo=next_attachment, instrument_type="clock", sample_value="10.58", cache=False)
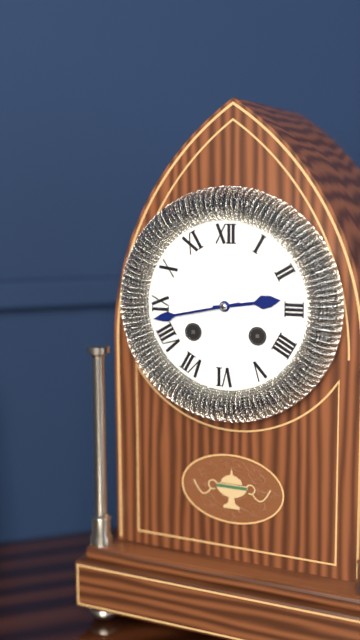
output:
2.43
